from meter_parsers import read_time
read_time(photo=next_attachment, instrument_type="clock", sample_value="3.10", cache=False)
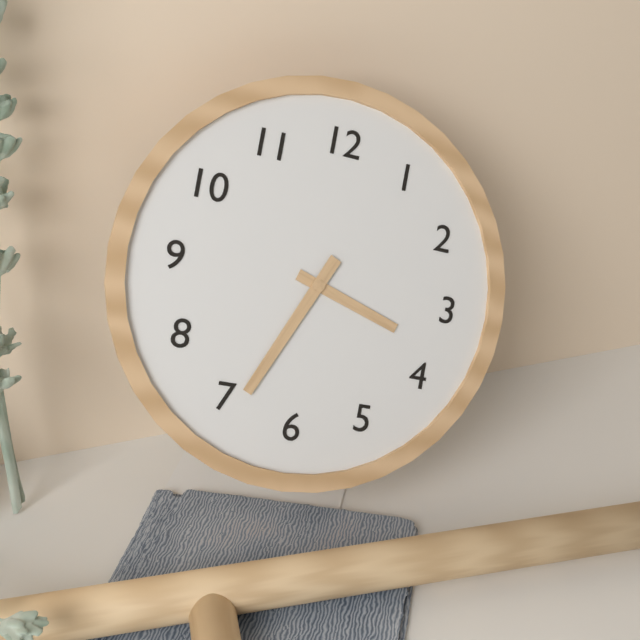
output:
3.34
